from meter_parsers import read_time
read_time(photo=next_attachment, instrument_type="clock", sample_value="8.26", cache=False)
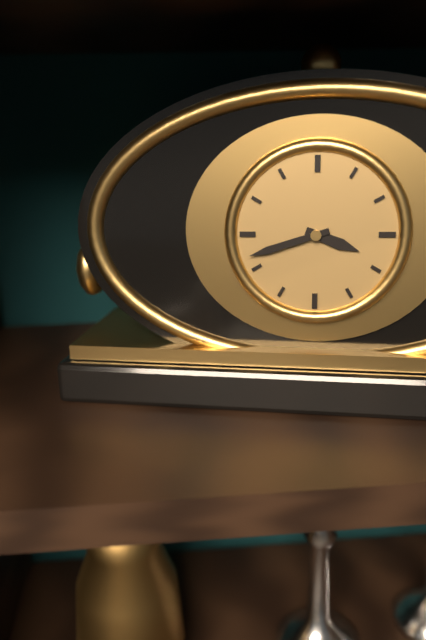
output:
3.42
